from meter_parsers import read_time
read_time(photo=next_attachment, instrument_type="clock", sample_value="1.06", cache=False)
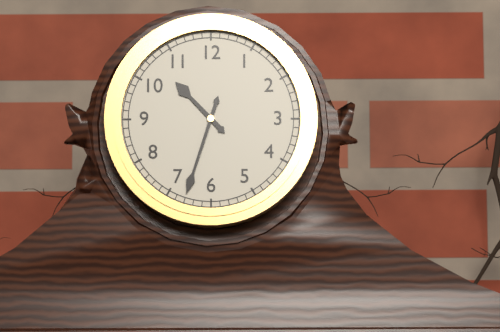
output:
10.33
